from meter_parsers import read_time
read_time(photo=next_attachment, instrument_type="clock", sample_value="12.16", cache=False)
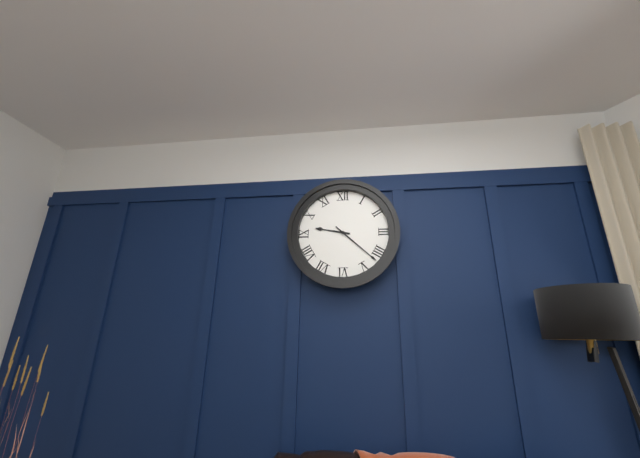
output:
9.22
